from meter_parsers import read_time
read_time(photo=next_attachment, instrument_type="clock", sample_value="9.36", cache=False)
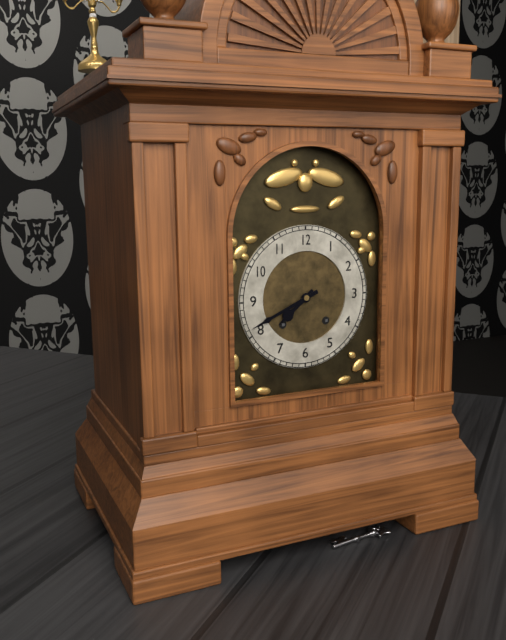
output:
7.41
